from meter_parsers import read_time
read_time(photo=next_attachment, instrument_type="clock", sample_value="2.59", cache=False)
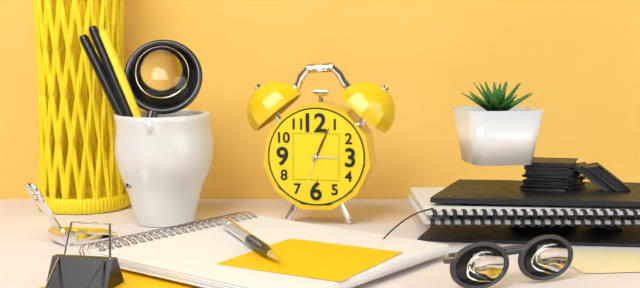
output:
3.04
